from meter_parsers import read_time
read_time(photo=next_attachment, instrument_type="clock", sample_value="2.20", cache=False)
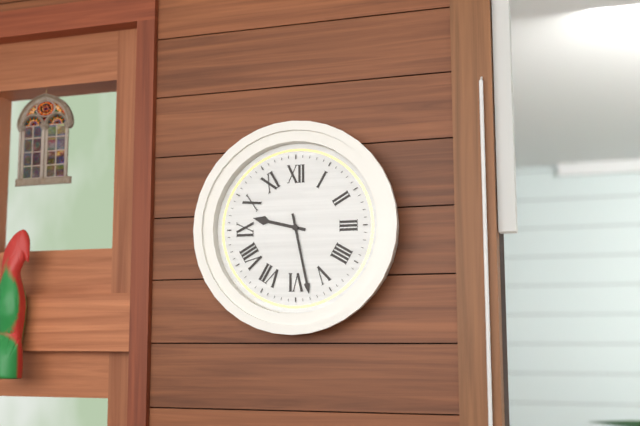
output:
9.28
